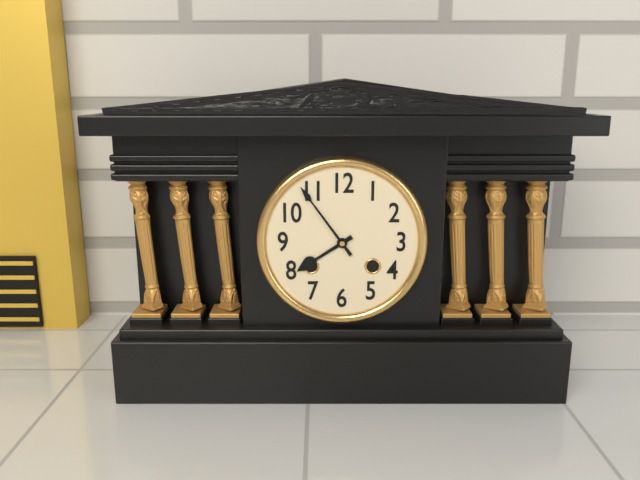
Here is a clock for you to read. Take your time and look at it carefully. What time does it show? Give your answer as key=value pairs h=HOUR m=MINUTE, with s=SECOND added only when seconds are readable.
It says h=7 m=54
